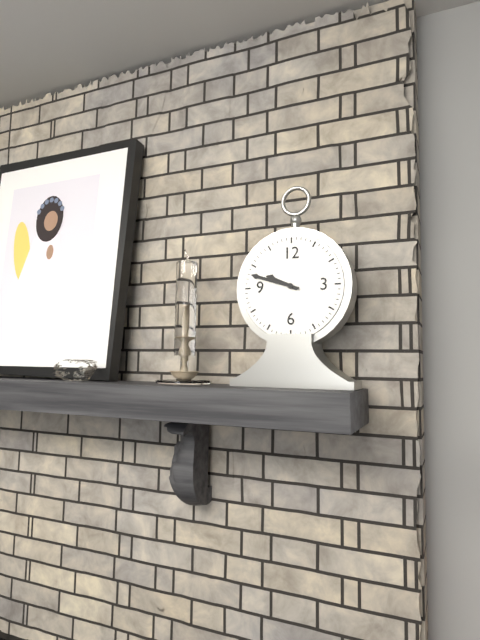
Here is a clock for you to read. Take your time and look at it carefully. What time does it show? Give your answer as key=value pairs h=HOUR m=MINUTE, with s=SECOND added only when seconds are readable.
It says h=9 m=48
